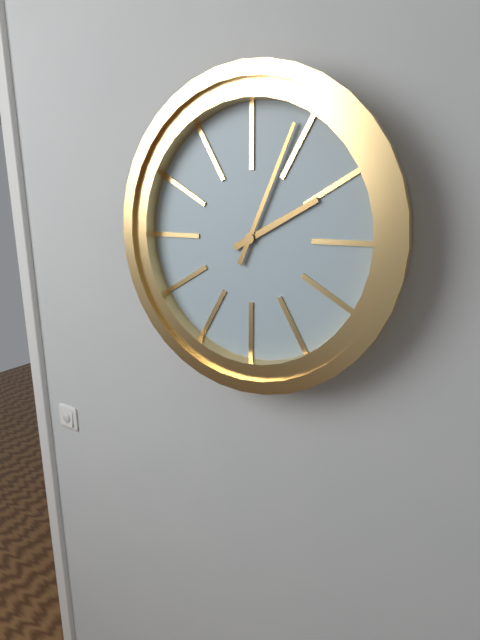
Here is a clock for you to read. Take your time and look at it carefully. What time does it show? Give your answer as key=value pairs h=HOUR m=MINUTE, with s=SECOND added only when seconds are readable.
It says h=2 m=4
